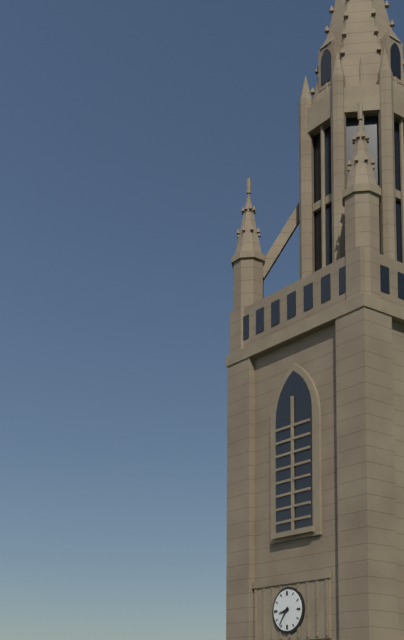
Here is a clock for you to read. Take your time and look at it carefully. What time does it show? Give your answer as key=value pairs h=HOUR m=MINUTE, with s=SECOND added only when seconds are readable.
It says h=8 m=36
